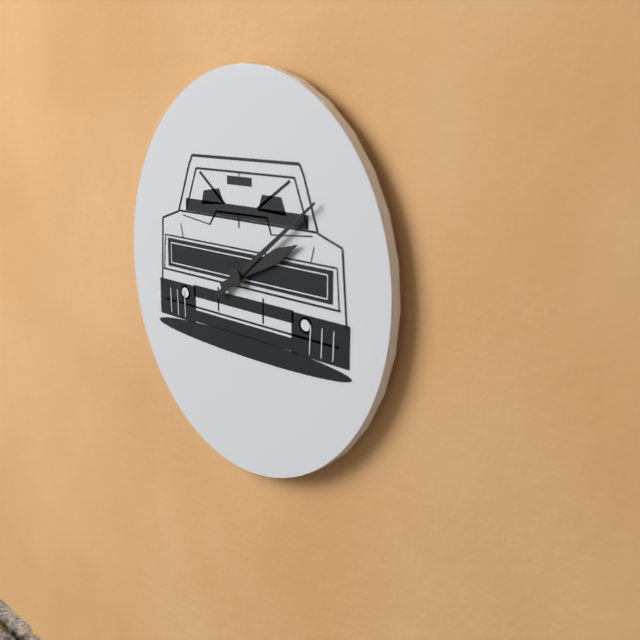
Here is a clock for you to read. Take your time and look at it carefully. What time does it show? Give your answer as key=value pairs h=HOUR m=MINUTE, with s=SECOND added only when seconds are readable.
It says h=2 m=9
